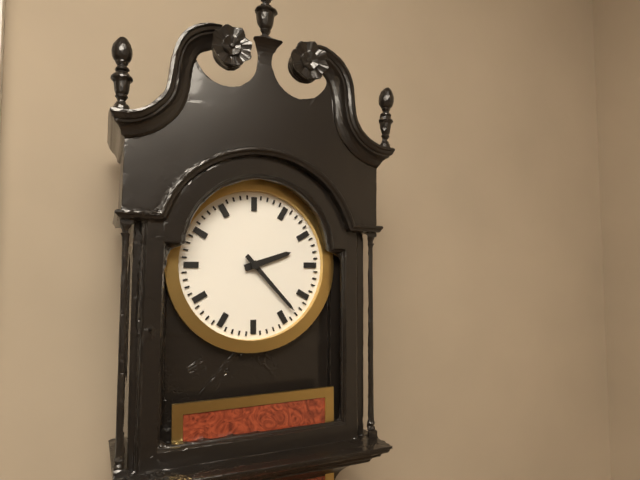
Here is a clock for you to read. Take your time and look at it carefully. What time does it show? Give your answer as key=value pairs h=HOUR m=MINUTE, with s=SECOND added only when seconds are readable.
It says h=2 m=23
